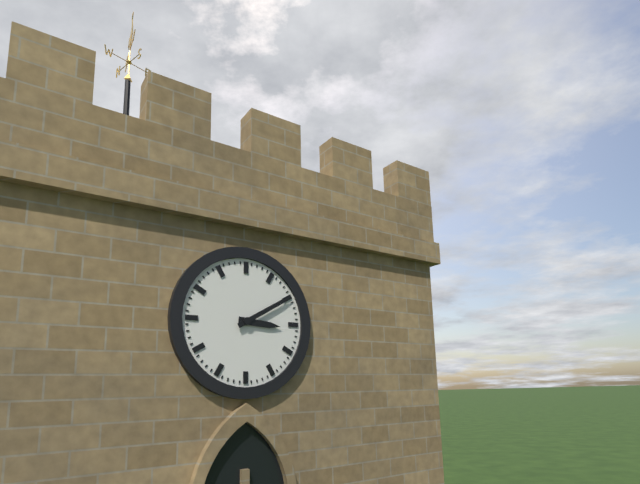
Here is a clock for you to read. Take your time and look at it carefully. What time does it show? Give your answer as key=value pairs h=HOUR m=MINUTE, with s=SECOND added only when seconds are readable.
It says h=3 m=10
